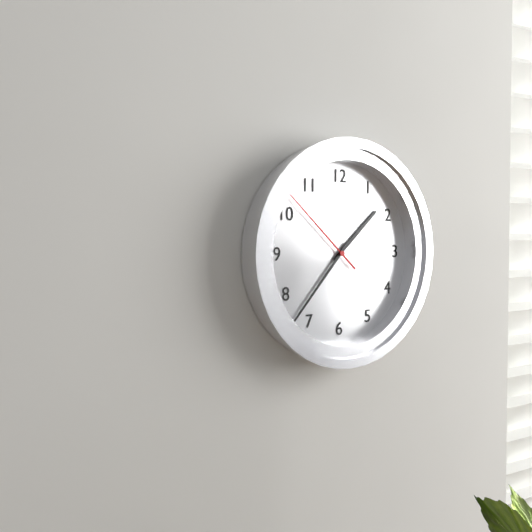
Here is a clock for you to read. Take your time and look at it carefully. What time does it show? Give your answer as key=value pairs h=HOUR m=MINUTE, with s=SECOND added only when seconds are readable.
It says h=1 m=37 s=52
